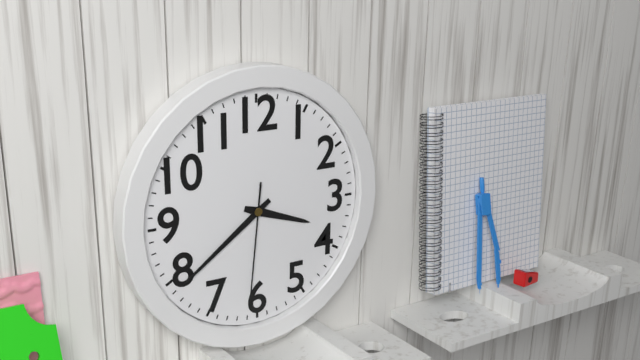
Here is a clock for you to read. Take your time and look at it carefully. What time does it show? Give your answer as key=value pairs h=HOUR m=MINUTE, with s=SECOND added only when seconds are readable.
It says h=3 m=39 s=31
